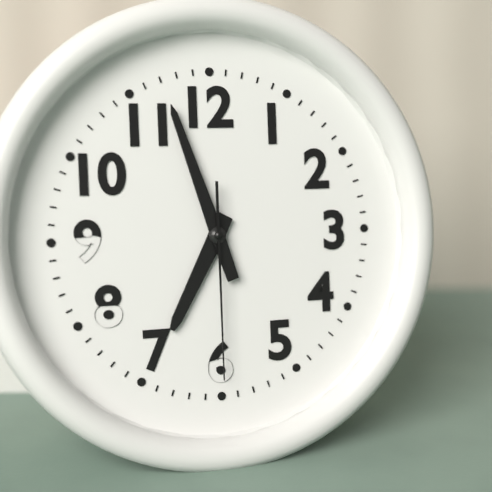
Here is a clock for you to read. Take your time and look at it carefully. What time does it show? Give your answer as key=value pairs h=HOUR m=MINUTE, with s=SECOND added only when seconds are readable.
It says h=6 m=57 s=30
